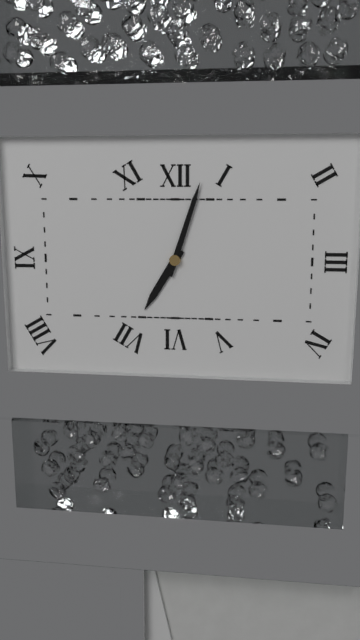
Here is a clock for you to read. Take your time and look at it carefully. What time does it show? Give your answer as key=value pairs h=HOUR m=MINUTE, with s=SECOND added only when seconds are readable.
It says h=7 m=3
